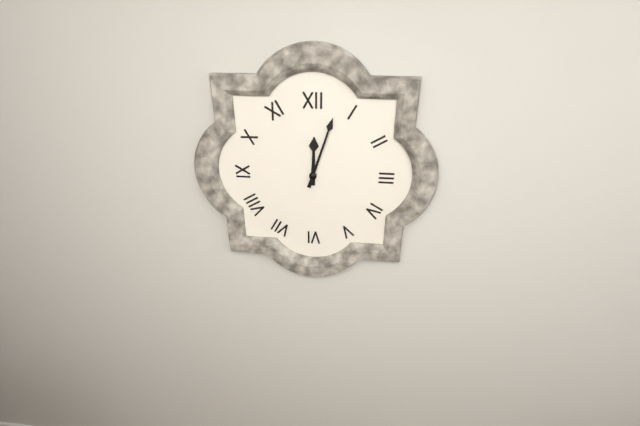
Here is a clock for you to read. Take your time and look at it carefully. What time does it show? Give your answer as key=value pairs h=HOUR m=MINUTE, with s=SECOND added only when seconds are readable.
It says h=12 m=3
